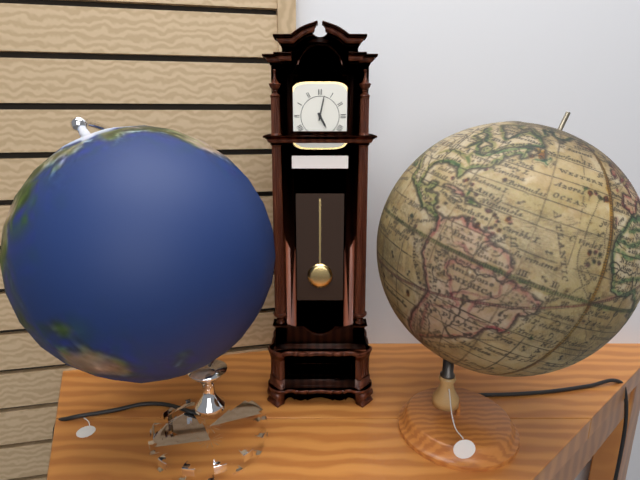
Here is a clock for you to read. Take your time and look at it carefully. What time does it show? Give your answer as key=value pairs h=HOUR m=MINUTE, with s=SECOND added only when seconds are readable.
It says h=5 m=2
